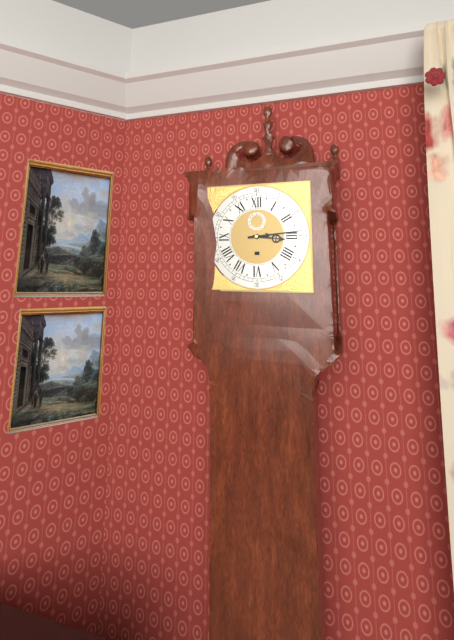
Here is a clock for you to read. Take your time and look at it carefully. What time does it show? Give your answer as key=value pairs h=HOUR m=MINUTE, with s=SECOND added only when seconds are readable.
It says h=3 m=14
